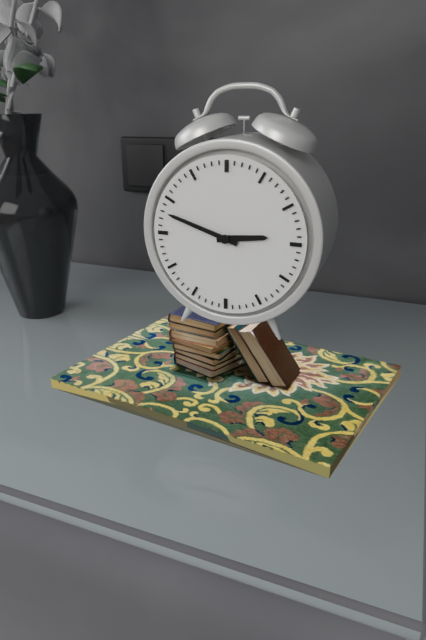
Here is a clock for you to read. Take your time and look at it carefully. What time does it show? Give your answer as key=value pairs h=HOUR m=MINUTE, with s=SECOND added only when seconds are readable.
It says h=2 m=48
